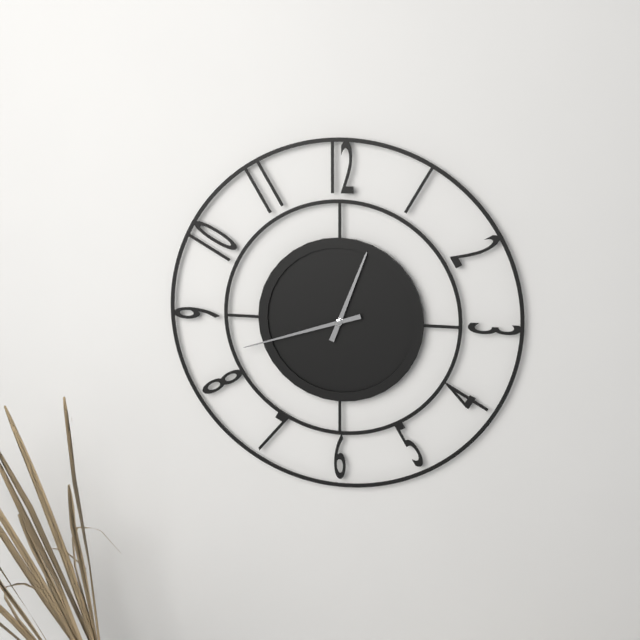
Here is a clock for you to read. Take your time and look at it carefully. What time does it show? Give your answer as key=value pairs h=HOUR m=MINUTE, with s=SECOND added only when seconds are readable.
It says h=12 m=42
